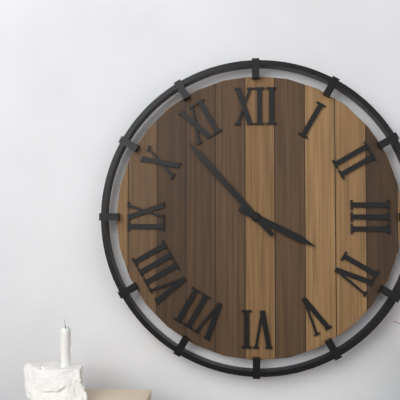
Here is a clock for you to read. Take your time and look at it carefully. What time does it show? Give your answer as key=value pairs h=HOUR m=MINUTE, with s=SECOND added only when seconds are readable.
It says h=3 m=53
